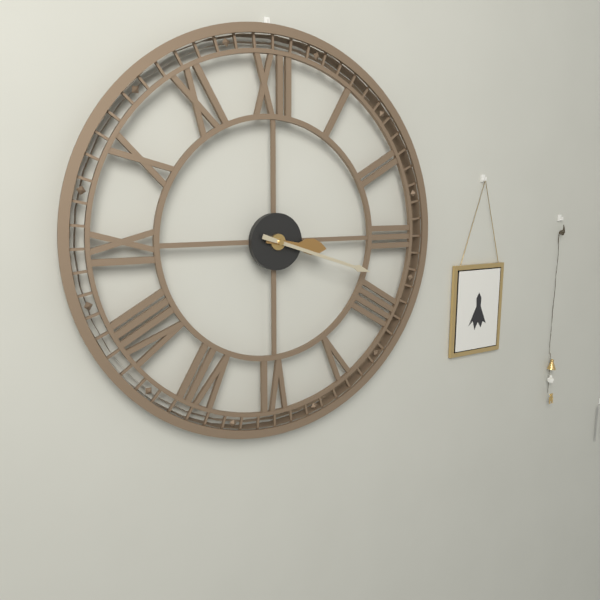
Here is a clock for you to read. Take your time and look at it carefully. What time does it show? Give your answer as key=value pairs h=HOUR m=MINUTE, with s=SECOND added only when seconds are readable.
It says h=3 m=18
